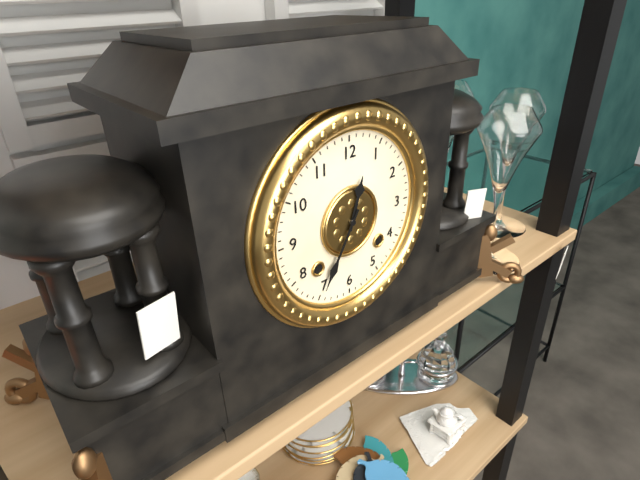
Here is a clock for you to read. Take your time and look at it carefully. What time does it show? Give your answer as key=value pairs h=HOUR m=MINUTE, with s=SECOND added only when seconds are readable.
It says h=12 m=35
